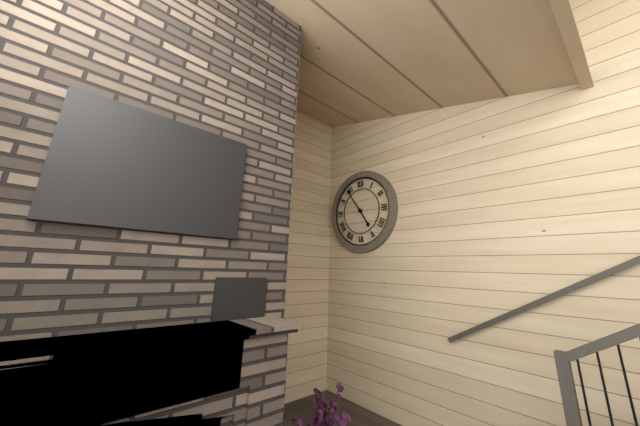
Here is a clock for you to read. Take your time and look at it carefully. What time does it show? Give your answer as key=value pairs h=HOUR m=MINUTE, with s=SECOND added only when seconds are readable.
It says h=4 m=54
